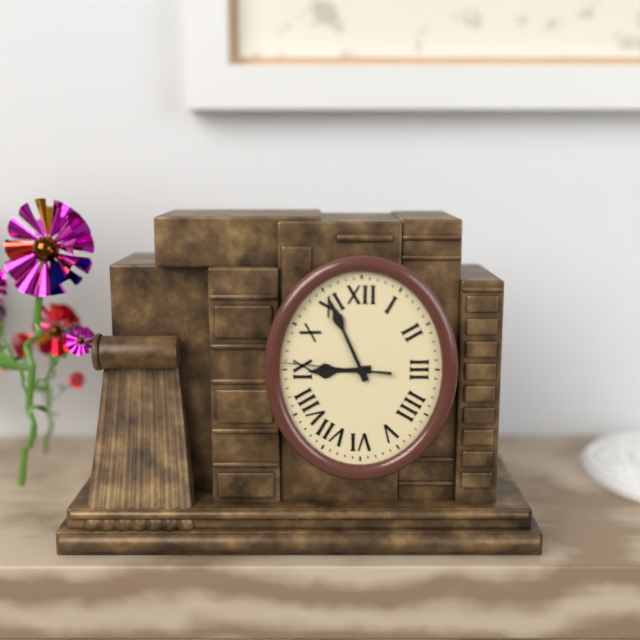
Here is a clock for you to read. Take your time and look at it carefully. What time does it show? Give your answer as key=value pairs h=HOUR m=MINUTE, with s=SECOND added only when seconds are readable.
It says h=8 m=56 s=46
